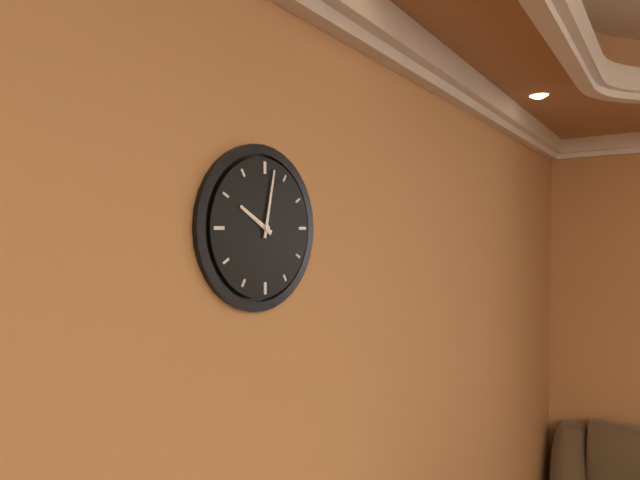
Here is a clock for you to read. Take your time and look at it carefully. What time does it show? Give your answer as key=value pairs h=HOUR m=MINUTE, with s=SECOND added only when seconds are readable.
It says h=10 m=2
